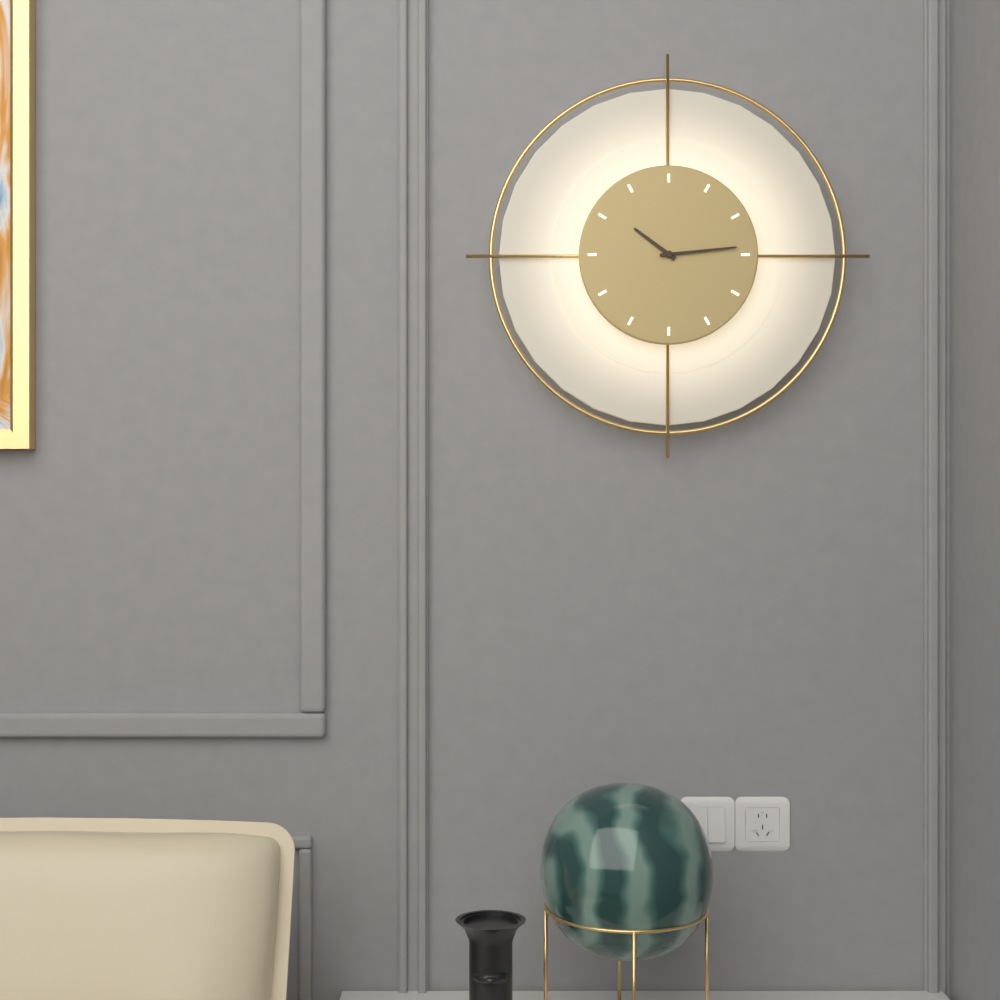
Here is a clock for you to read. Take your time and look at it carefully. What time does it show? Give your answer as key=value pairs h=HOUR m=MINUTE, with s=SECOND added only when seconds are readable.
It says h=10 m=14
